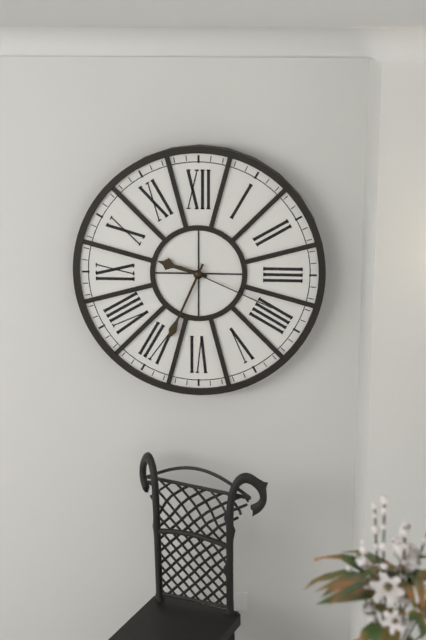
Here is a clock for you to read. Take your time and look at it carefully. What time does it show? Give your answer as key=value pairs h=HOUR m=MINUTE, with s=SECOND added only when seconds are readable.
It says h=9 m=34 s=19
